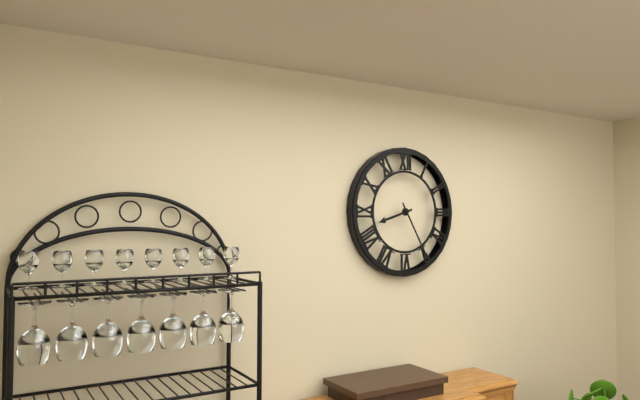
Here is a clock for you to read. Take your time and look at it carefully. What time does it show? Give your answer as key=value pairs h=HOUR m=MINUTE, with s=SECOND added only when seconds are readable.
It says h=8 m=25
